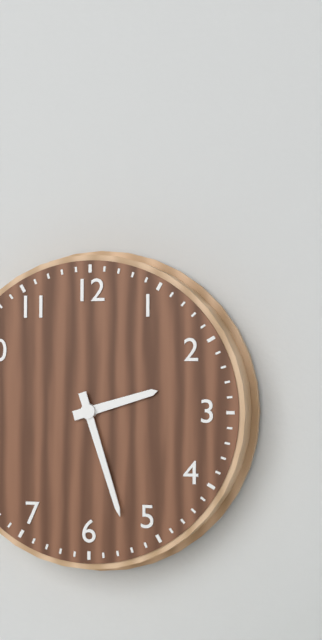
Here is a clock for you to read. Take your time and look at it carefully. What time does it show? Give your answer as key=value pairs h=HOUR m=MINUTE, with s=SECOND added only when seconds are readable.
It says h=2 m=27
